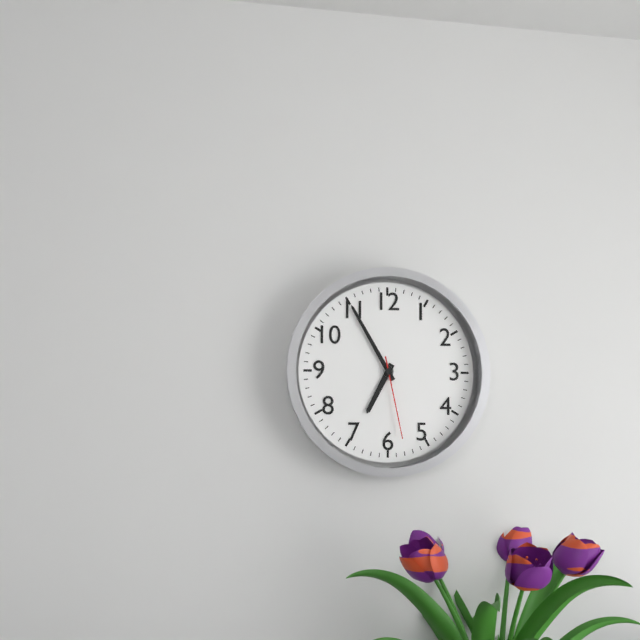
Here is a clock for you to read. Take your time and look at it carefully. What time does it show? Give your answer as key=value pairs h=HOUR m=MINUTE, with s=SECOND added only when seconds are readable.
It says h=6 m=55 s=28
